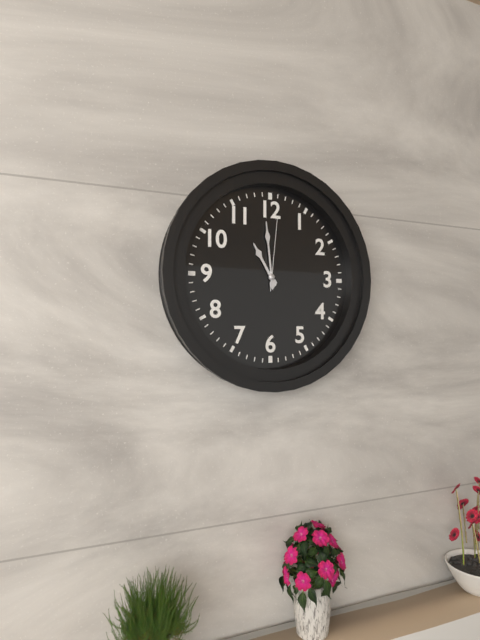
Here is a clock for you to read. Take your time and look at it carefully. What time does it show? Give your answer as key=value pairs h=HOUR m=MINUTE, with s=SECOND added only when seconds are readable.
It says h=10 m=59 s=1
